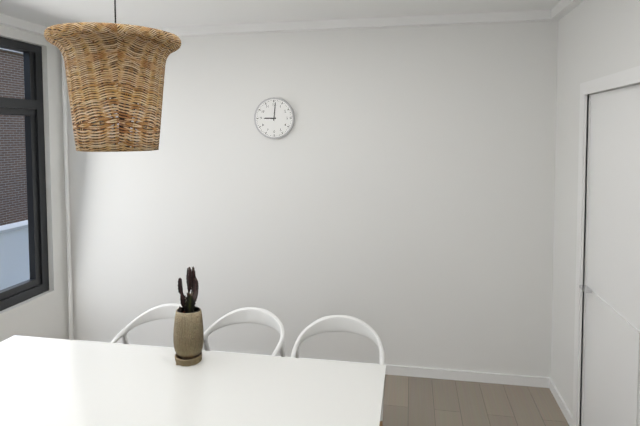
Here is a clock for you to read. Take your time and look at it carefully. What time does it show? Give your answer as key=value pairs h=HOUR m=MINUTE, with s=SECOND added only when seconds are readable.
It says h=9 m=1
